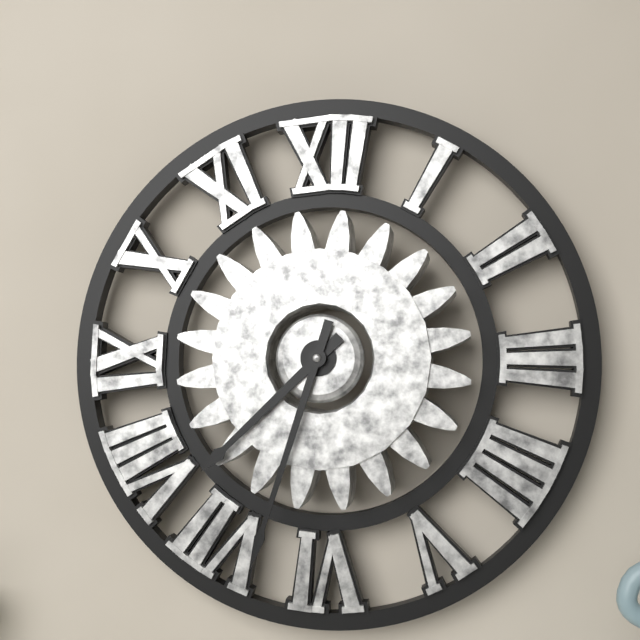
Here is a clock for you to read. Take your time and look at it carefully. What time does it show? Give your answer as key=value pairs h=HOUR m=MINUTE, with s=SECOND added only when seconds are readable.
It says h=7 m=33
